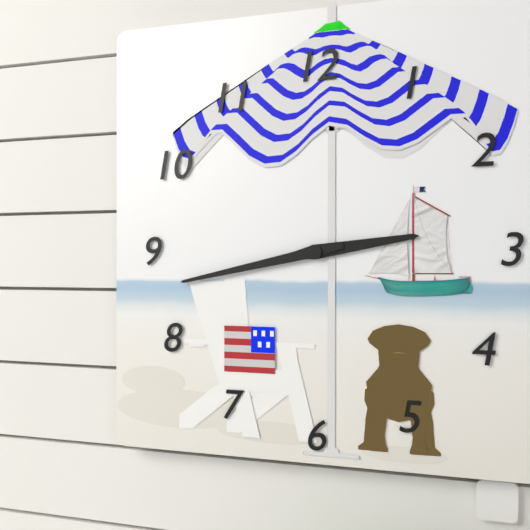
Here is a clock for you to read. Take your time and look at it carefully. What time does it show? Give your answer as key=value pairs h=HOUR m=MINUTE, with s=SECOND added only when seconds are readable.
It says h=2 m=43
